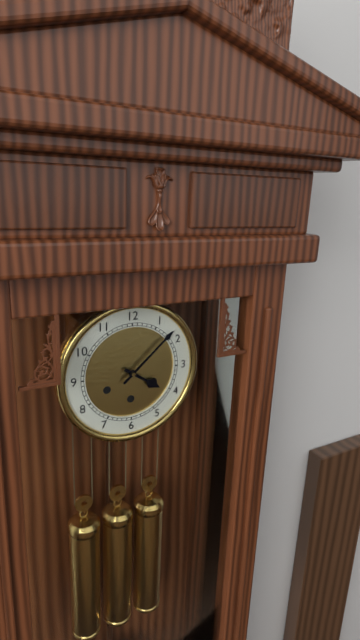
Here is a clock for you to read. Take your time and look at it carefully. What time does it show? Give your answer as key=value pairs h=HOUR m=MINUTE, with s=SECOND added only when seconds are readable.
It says h=4 m=8
